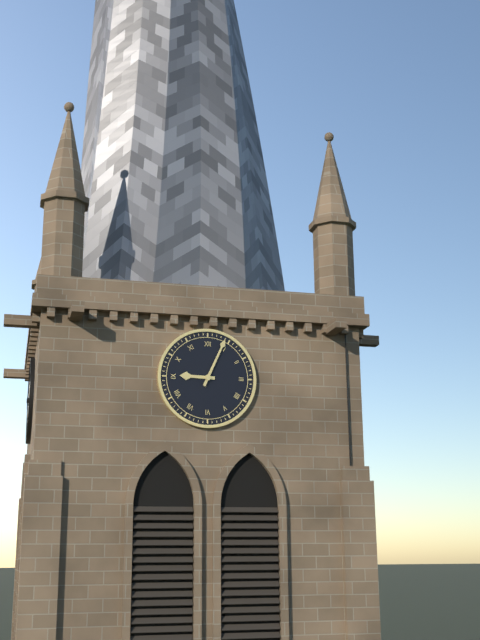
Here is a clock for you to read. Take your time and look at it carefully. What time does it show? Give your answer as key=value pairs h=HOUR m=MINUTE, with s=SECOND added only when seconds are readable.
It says h=9 m=4
